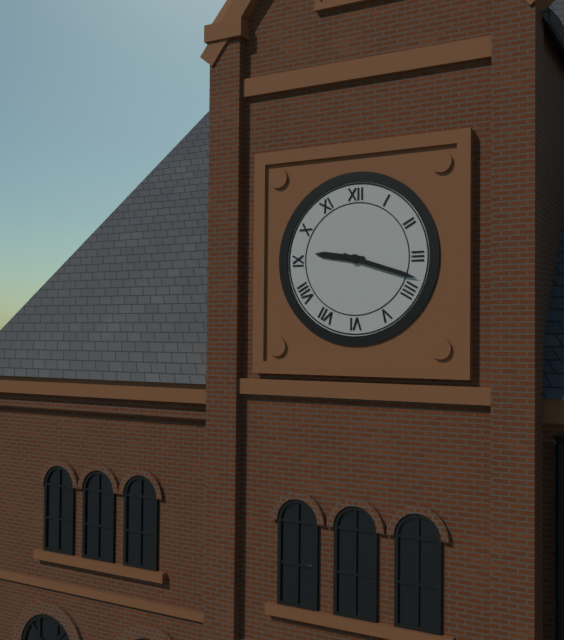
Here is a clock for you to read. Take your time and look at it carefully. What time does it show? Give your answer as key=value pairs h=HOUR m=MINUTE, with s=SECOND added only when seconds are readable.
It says h=9 m=18
